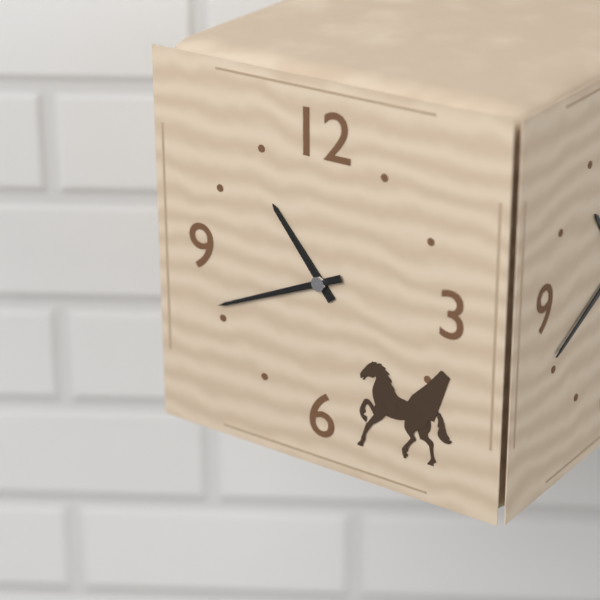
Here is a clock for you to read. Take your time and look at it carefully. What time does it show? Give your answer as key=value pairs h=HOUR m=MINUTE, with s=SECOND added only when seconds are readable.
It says h=10 m=41
